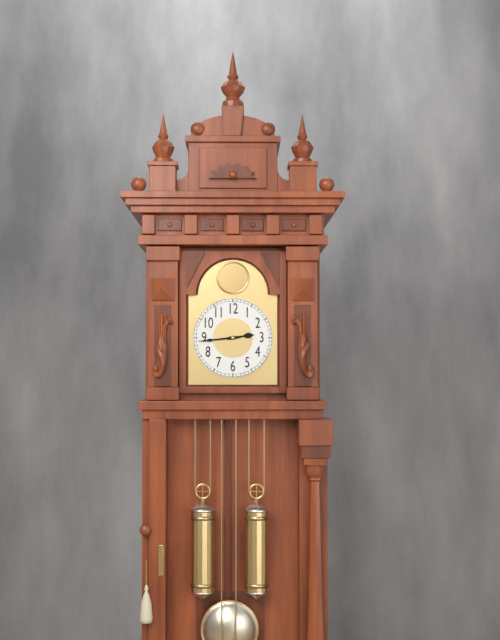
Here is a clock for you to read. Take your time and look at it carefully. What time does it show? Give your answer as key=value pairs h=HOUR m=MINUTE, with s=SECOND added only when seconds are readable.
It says h=2 m=44
